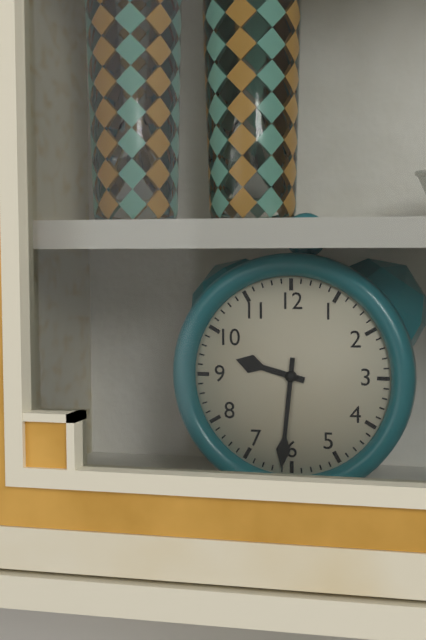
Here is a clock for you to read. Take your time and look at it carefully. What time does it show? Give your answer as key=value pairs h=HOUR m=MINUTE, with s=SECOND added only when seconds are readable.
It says h=9 m=31
